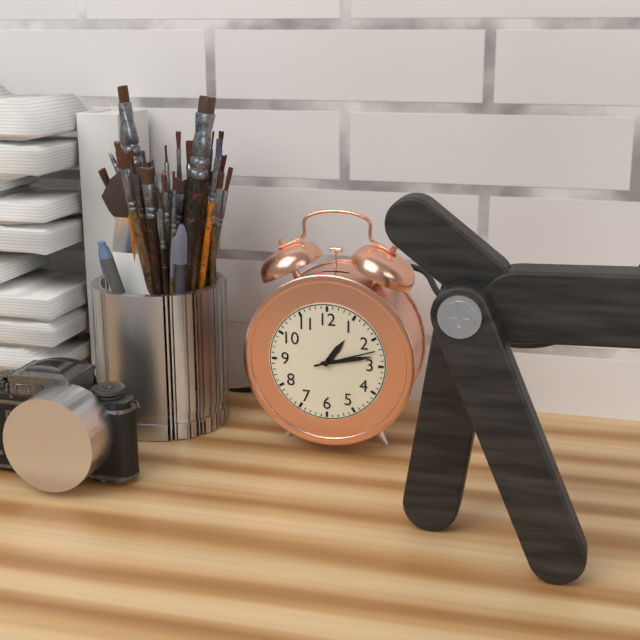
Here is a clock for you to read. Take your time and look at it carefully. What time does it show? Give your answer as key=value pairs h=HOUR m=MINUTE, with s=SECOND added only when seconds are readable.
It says h=1 m=13 s=12
